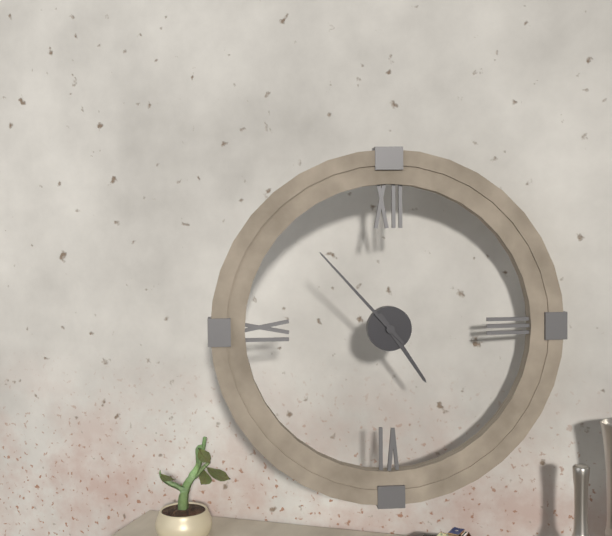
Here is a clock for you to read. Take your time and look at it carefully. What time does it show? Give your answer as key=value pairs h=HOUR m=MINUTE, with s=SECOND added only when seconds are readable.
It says h=4 m=53
